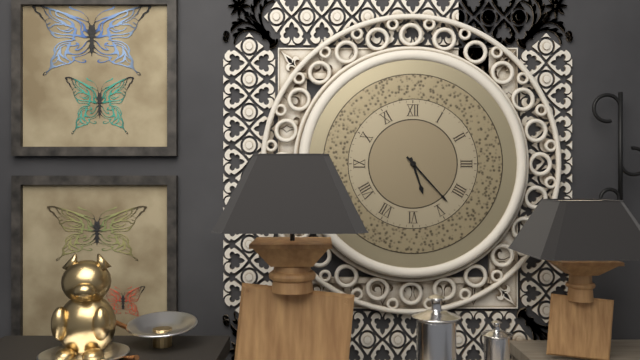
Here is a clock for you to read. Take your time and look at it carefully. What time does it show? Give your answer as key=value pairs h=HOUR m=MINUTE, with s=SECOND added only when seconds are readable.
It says h=5 m=23
